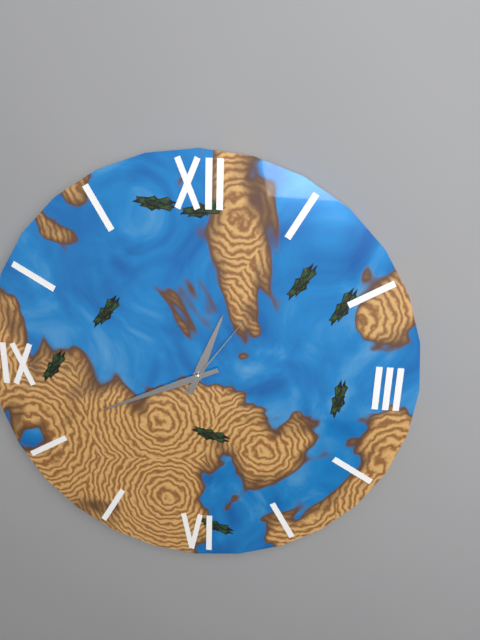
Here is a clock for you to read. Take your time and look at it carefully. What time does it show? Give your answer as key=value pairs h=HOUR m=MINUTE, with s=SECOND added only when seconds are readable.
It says h=12 m=41 s=6
